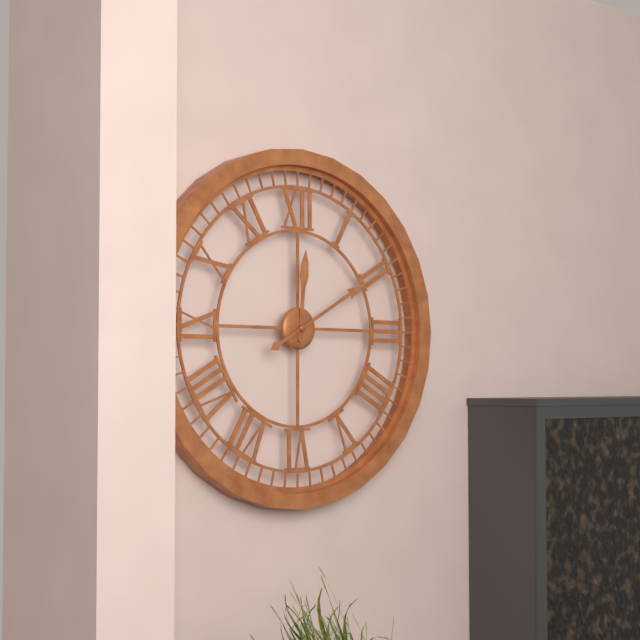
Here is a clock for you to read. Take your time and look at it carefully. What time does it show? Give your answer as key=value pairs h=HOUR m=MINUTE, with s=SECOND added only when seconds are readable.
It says h=12 m=10
